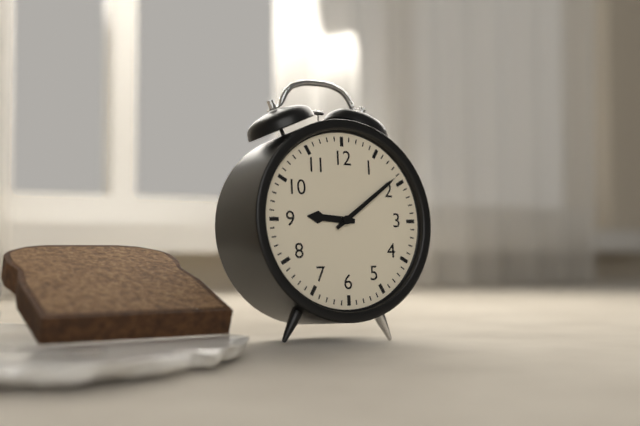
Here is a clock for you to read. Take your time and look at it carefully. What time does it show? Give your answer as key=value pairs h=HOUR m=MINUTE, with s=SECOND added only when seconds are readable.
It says h=9 m=9
